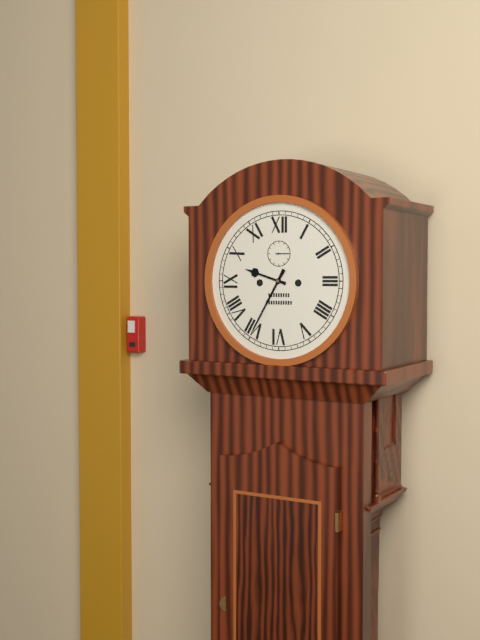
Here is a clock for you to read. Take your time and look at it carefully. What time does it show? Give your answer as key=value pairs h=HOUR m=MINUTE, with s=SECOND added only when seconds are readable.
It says h=9 m=35
